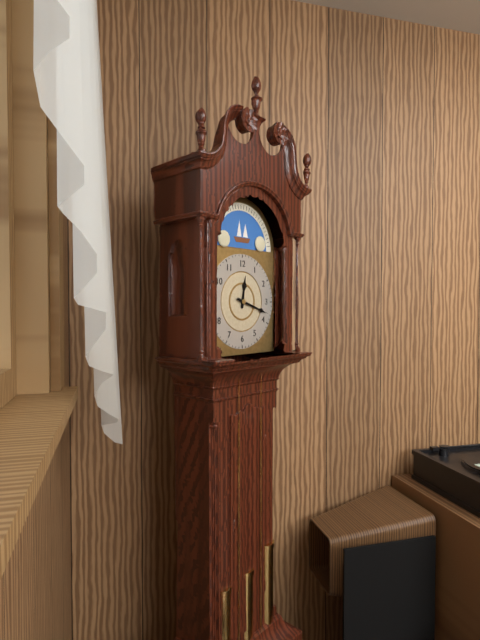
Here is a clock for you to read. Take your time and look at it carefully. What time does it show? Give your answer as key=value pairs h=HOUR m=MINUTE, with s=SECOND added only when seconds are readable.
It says h=12 m=18
